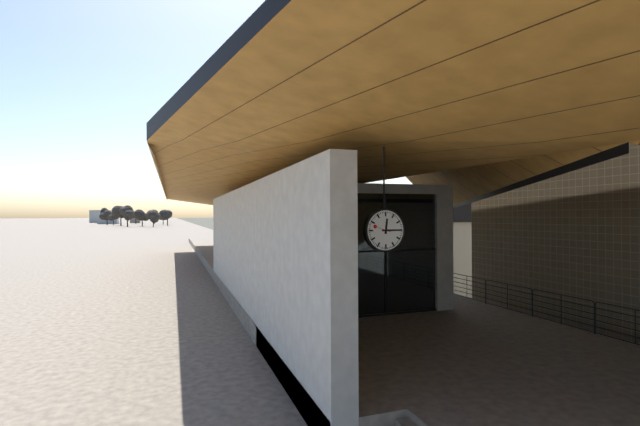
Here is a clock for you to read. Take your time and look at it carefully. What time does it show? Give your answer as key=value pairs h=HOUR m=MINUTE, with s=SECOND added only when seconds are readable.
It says h=12 m=15
